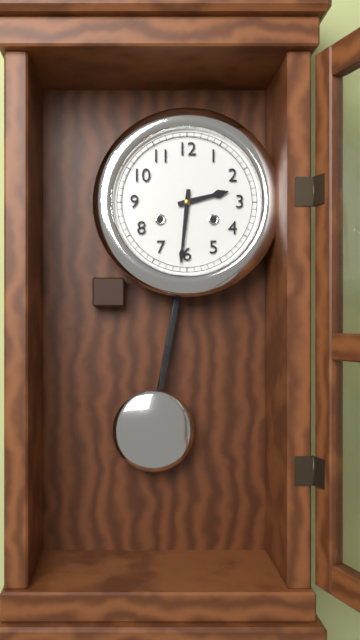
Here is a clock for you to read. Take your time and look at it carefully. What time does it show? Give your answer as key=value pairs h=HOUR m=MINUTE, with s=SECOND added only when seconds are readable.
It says h=2 m=31
